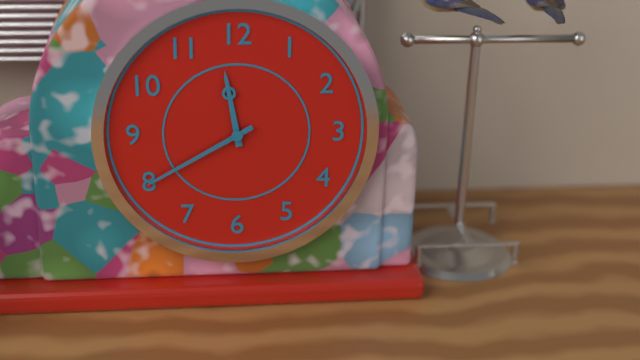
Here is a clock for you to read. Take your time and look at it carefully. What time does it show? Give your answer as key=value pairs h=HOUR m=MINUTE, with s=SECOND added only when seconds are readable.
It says h=11 m=40
